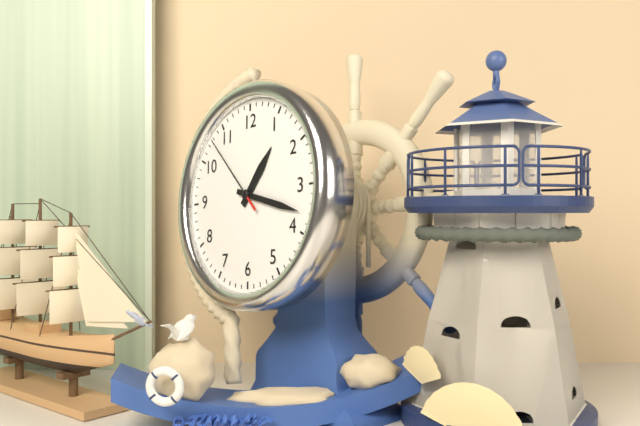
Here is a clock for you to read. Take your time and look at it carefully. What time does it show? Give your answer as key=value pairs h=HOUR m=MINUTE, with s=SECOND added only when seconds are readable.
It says h=1 m=18 s=53
